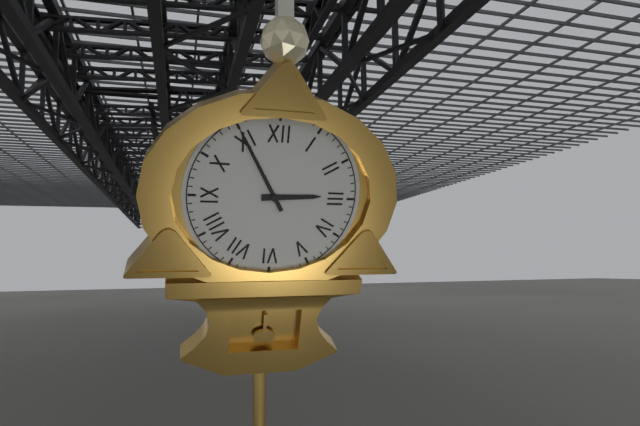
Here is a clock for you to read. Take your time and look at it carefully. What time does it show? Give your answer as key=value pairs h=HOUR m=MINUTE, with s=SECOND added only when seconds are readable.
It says h=2 m=55
